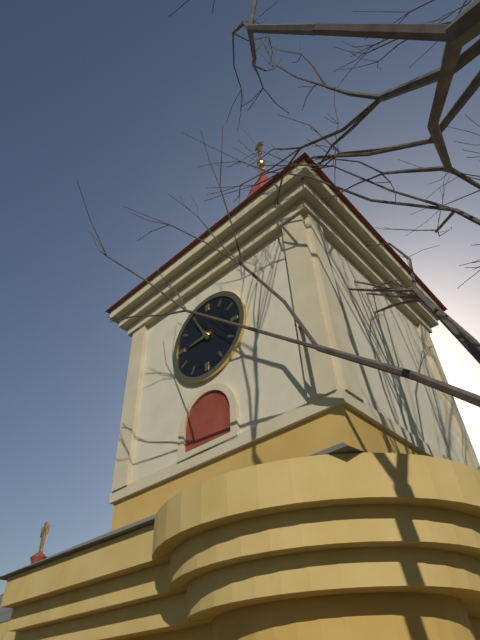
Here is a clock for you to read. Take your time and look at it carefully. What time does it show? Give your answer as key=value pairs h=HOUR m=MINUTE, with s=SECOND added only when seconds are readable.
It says h=8 m=55
